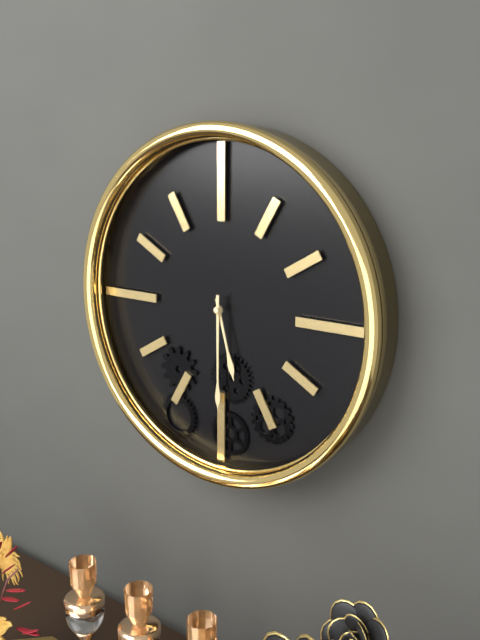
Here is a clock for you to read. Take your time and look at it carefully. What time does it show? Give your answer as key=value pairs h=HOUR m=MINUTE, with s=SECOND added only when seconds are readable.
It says h=5 m=30
